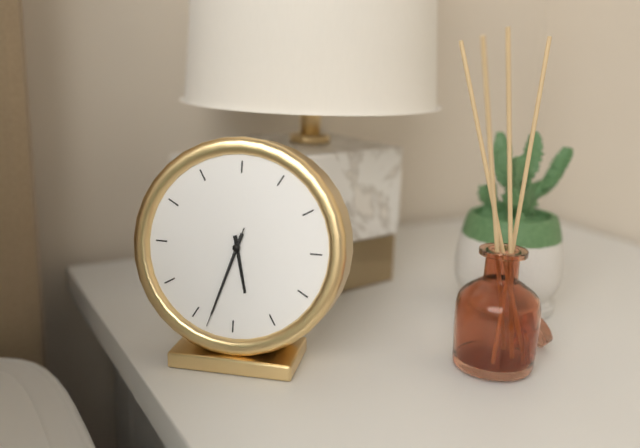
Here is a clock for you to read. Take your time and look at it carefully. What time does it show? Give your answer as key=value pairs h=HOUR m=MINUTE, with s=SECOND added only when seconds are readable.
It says h=5 m=33 s=33
